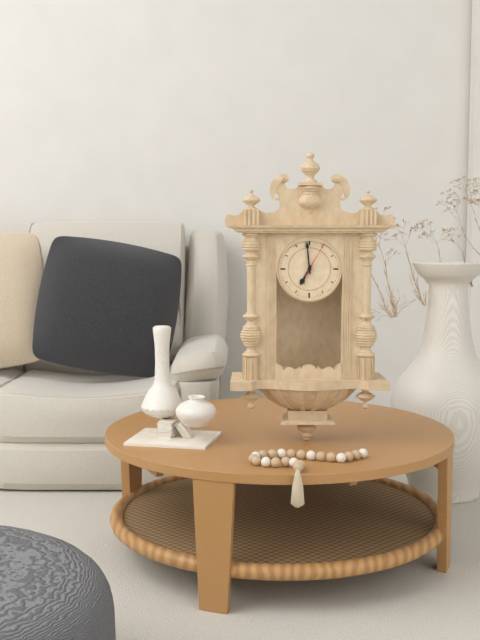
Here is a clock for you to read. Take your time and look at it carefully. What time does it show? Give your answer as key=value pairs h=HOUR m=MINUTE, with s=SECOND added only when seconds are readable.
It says h=6 m=59
